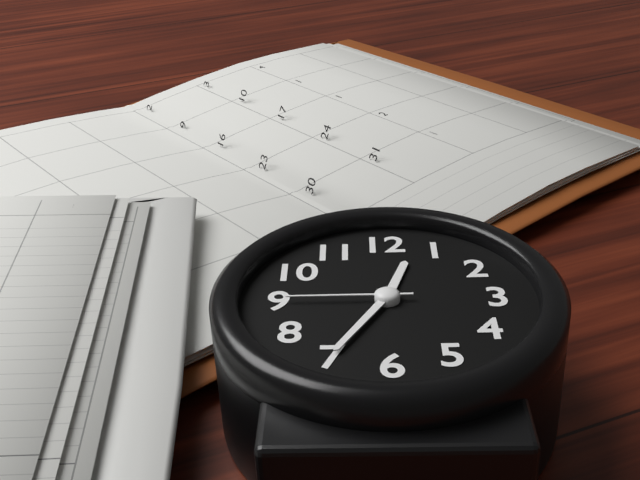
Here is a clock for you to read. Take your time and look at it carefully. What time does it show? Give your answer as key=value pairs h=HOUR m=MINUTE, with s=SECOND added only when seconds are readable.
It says h=12 m=35 s=45
